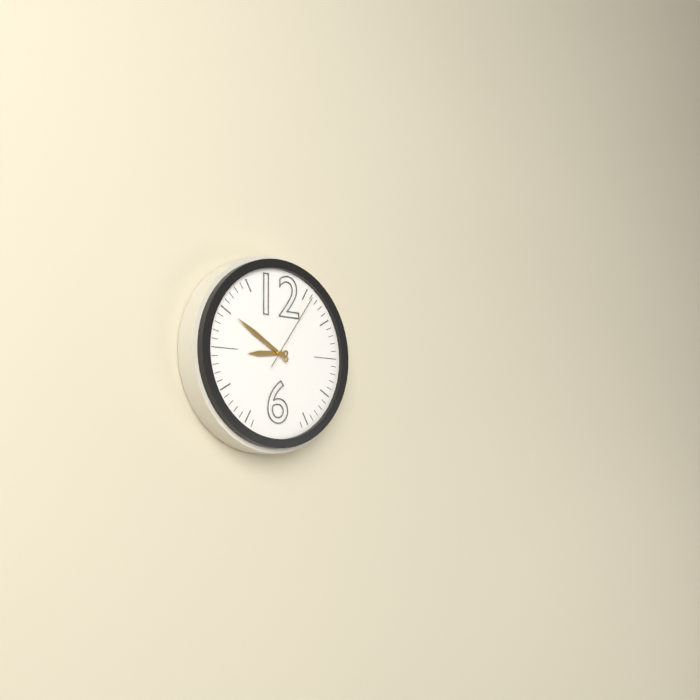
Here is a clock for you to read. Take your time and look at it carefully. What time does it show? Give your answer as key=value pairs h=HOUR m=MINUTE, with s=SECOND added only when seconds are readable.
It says h=8 m=50 s=6
